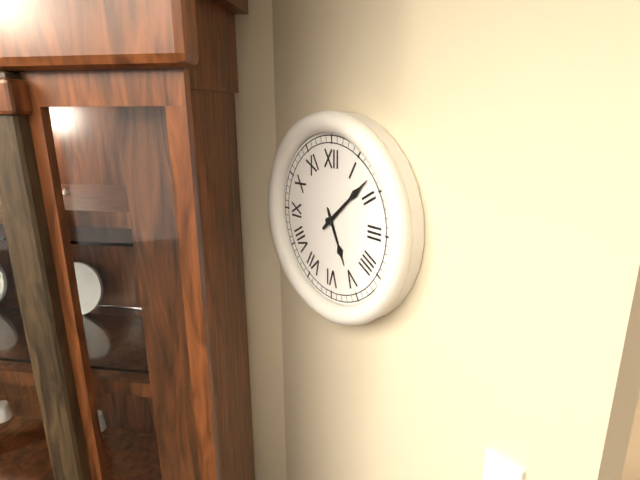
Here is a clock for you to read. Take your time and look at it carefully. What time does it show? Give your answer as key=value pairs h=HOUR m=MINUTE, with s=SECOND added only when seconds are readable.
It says h=5 m=8
